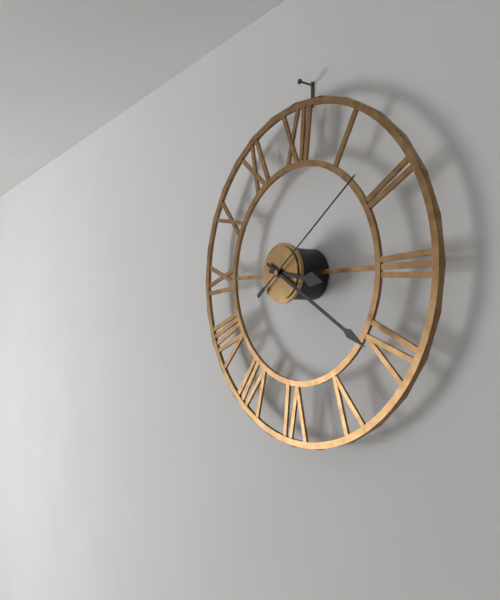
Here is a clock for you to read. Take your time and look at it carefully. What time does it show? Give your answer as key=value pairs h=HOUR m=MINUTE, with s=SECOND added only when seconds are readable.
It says h=3 m=20 s=9
